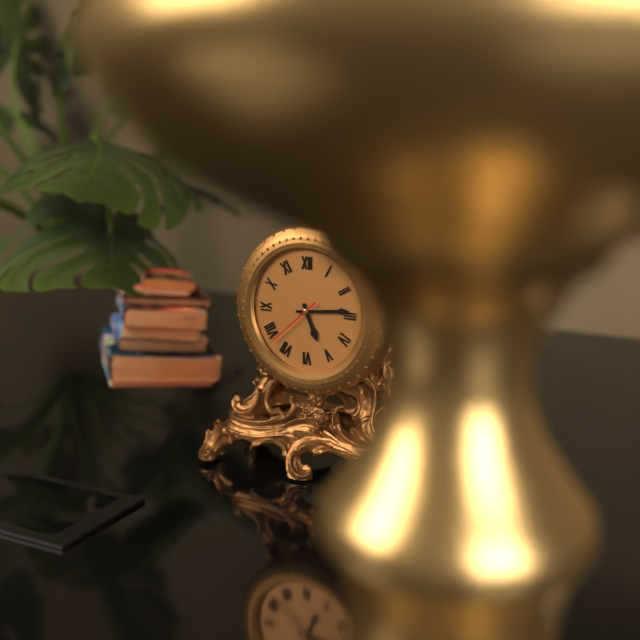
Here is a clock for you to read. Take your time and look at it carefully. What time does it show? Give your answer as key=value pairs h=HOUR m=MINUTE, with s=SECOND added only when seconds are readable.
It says h=5 m=14 s=38
